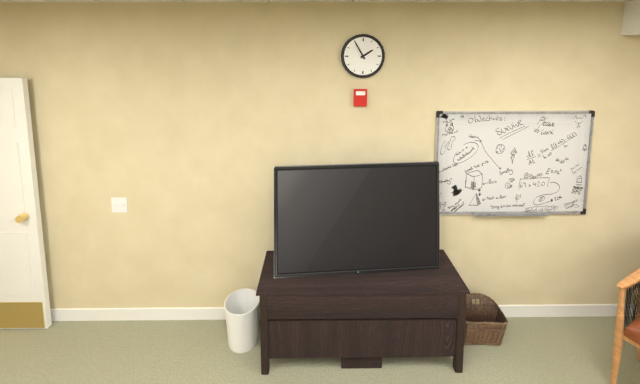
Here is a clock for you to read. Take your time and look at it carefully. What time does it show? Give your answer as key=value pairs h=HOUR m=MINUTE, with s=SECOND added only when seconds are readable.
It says h=1 m=55
